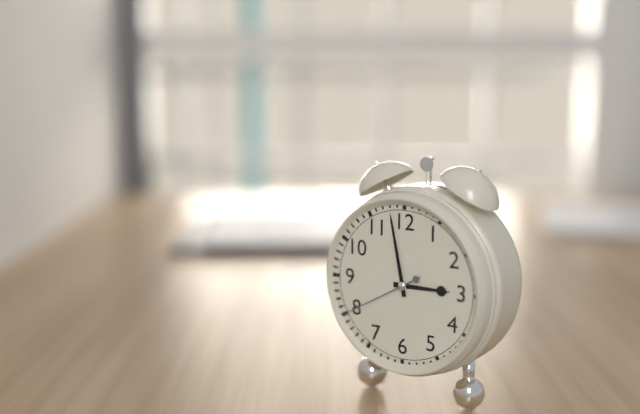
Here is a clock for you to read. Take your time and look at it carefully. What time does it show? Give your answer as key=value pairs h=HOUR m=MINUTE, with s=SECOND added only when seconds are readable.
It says h=2 m=58 s=40
